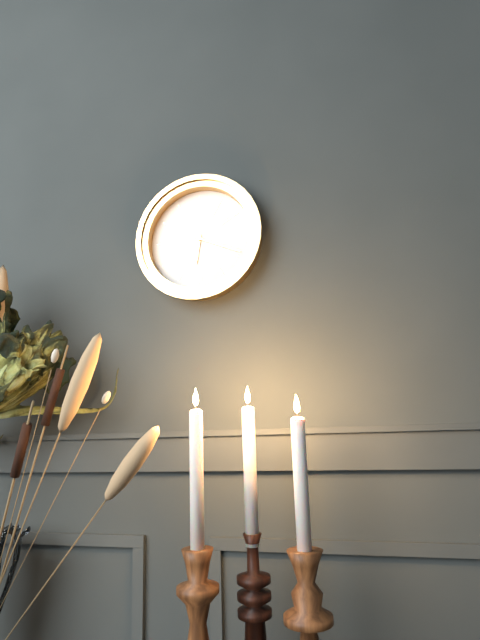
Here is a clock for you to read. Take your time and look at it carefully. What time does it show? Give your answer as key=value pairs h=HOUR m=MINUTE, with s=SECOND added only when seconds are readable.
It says h=6 m=19
